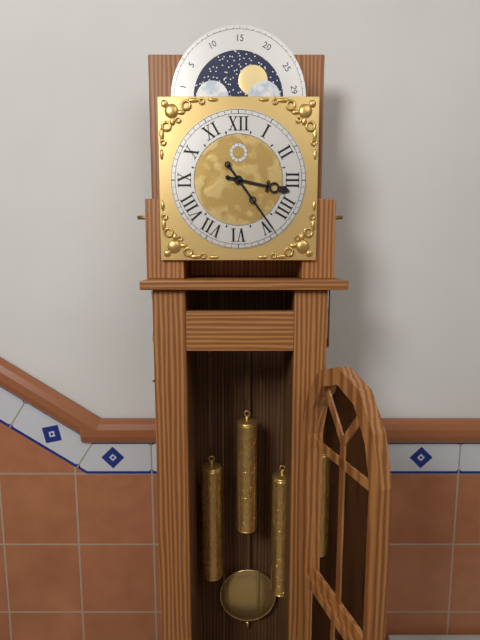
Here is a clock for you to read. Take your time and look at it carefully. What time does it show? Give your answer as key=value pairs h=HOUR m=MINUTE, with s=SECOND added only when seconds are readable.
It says h=3 m=24
